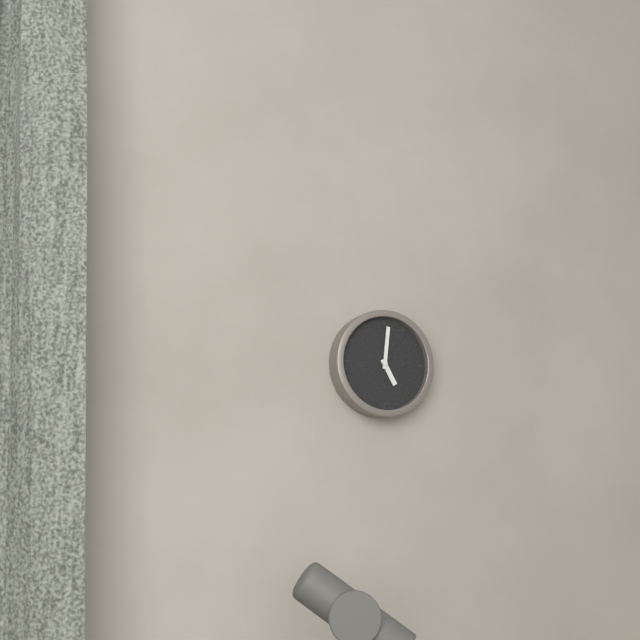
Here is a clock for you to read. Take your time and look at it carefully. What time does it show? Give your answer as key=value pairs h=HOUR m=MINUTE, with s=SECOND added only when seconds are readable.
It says h=5 m=1
